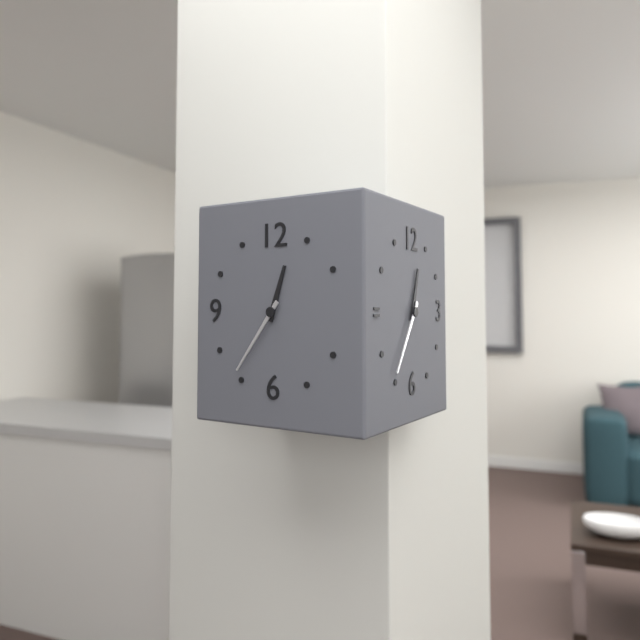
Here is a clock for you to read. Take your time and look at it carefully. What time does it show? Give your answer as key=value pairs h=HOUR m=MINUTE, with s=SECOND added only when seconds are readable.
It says h=12 m=36
